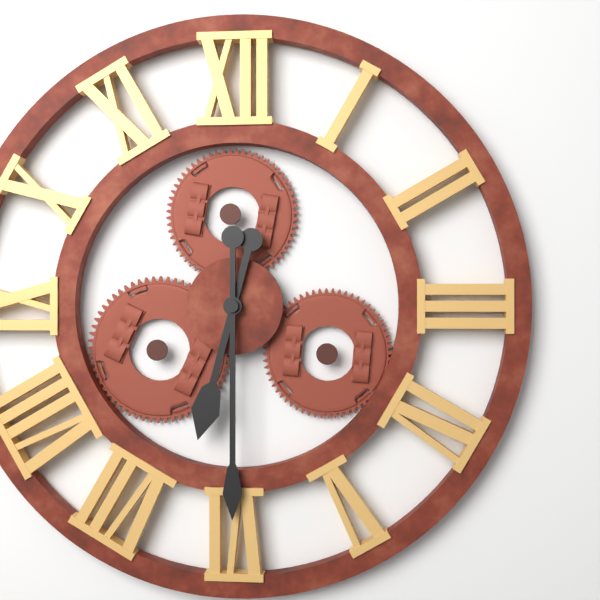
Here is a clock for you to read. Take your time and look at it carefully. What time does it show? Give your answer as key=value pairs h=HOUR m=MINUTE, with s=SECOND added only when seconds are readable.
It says h=6 m=30
